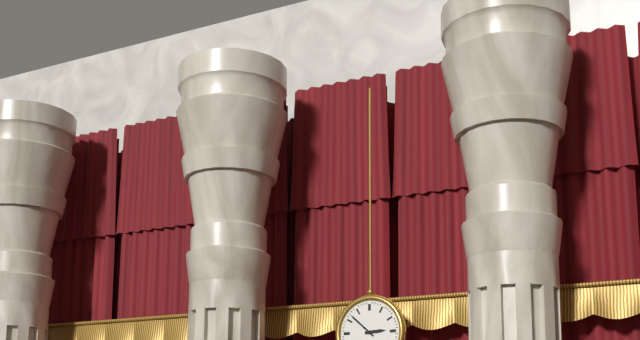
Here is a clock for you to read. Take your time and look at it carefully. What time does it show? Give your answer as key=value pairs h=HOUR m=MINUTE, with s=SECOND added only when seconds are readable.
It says h=2 m=52
